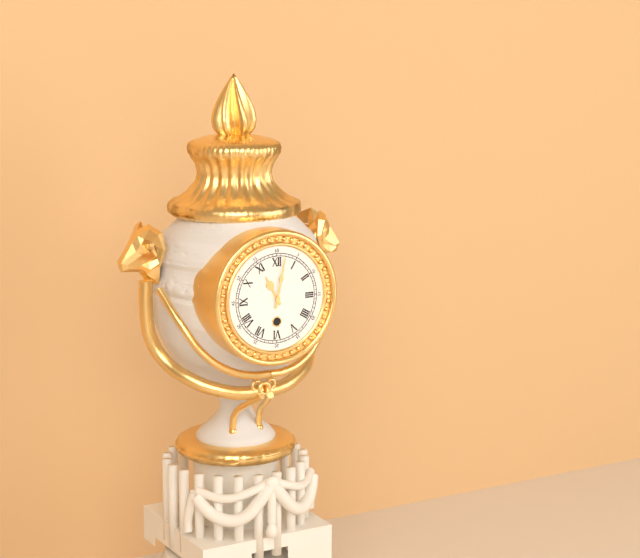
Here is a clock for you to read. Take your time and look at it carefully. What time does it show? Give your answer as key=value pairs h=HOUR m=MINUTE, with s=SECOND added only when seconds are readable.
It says h=11 m=2
